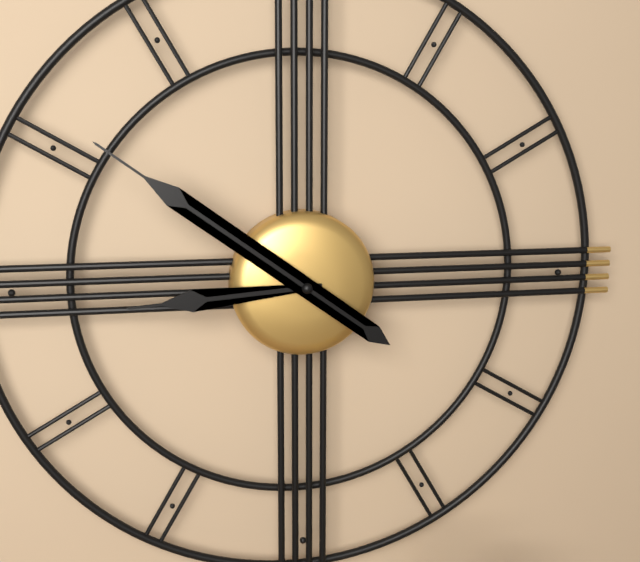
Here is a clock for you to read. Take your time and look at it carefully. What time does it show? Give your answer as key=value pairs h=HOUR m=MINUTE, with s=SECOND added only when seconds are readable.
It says h=8 m=51
